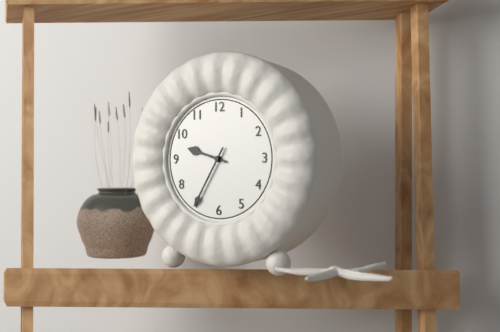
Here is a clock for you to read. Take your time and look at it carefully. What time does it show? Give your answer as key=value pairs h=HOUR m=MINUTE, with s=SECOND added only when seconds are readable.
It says h=9 m=35
